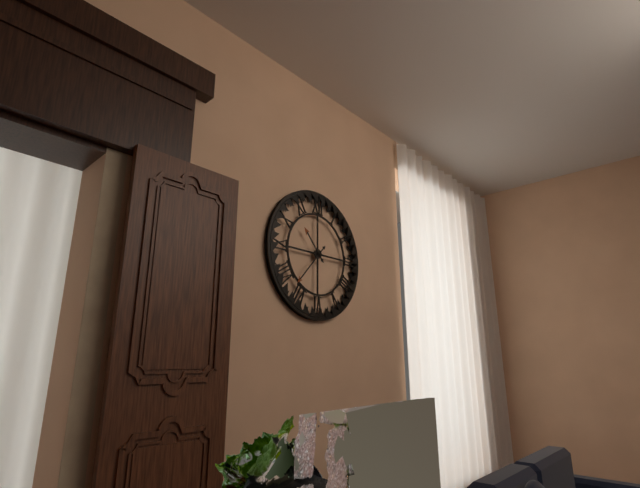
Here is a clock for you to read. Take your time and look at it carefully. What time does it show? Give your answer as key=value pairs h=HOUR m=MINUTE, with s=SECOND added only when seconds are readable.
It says h=10 m=37
